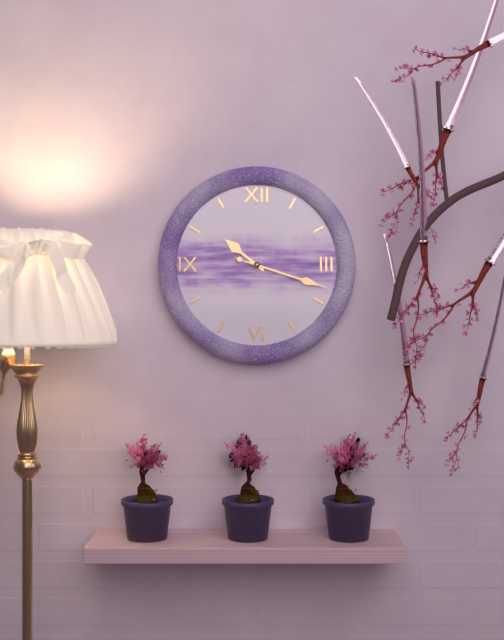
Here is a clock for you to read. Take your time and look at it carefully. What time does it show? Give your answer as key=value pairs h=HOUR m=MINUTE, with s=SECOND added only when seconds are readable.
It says h=10 m=18 s=18
